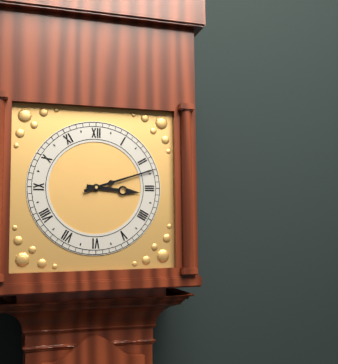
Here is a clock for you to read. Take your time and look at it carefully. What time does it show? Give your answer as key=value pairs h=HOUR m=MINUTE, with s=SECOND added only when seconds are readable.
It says h=3 m=12
